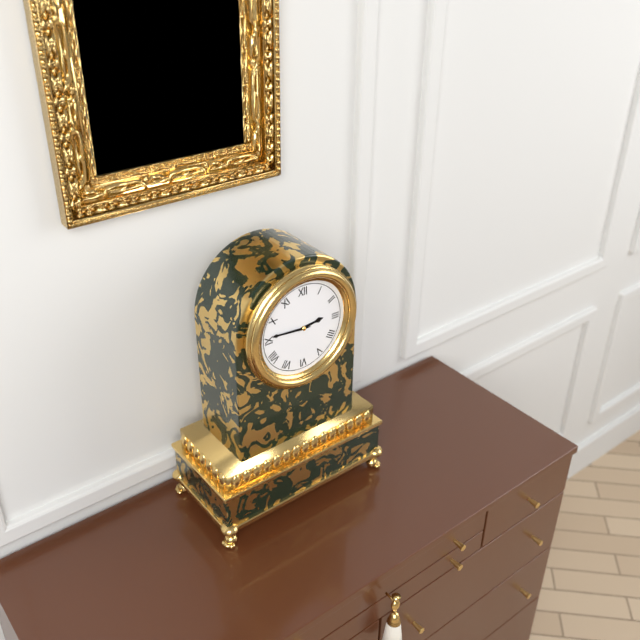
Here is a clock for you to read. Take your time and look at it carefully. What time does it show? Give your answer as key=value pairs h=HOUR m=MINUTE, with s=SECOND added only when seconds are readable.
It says h=2 m=46
